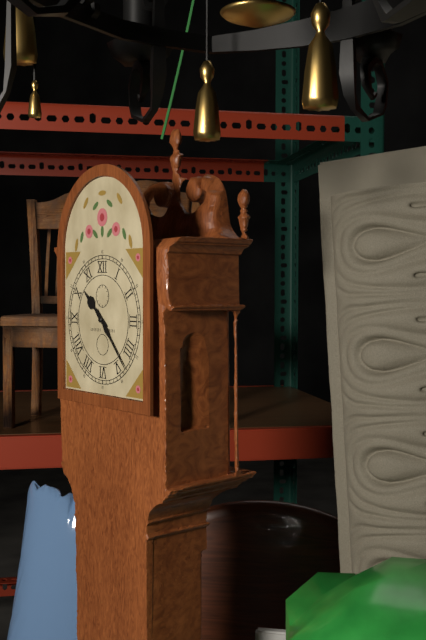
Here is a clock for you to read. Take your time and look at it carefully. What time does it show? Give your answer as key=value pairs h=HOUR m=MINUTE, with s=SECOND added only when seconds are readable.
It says h=10 m=23
